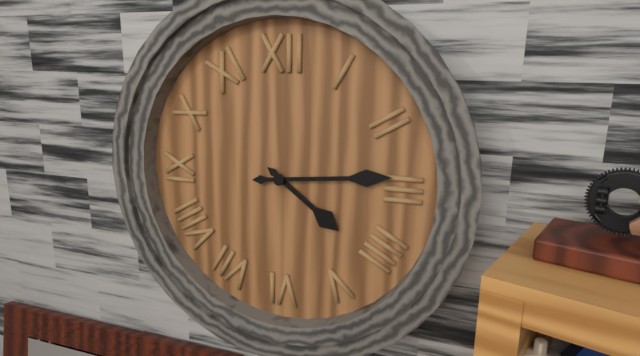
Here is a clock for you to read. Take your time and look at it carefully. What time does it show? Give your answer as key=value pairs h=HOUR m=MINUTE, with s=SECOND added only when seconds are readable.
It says h=4 m=14
